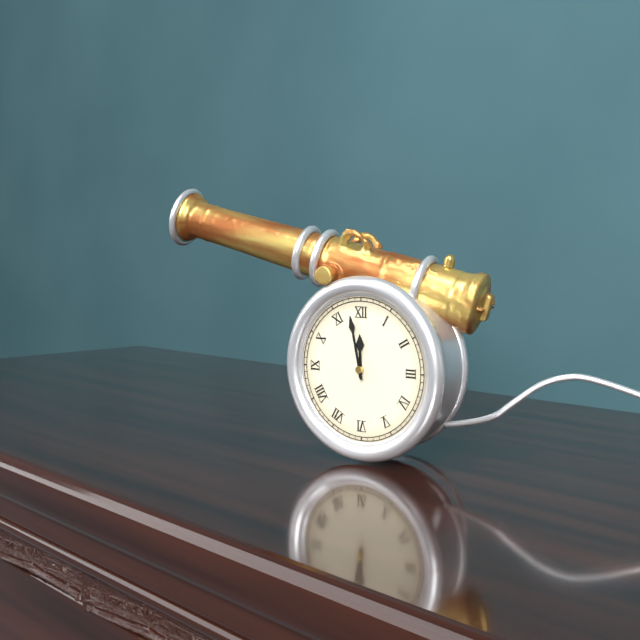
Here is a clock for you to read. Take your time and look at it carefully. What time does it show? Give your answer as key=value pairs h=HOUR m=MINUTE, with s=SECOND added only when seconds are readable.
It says h=11 m=58
